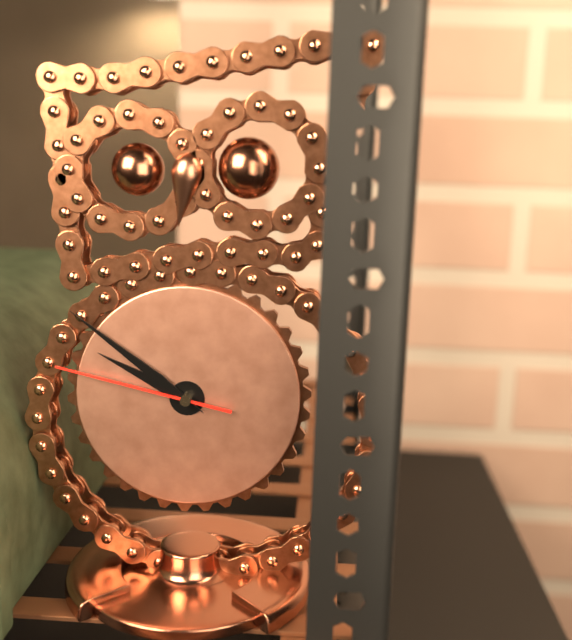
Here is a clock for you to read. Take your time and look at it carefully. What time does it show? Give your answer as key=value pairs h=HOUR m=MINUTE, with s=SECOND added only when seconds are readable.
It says h=9 m=51 s=47
